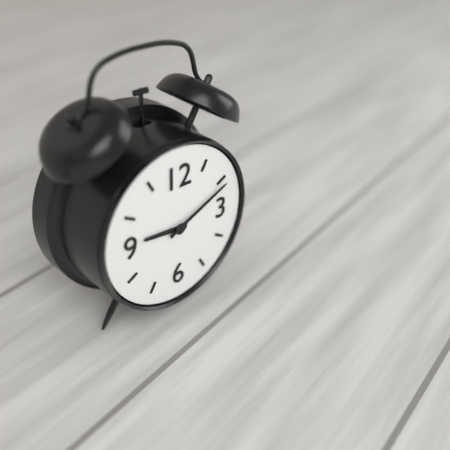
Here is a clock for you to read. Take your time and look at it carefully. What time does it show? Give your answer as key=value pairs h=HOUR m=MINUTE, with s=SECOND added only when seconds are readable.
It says h=9 m=11
